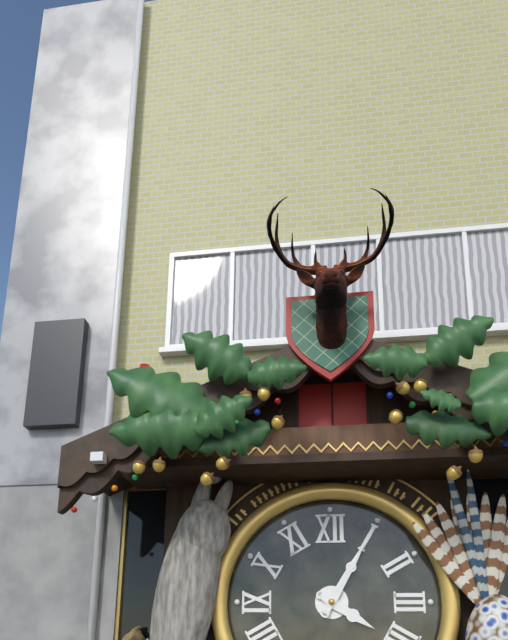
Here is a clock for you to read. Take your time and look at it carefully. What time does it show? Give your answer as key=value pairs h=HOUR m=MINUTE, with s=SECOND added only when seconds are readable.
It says h=4 m=5
